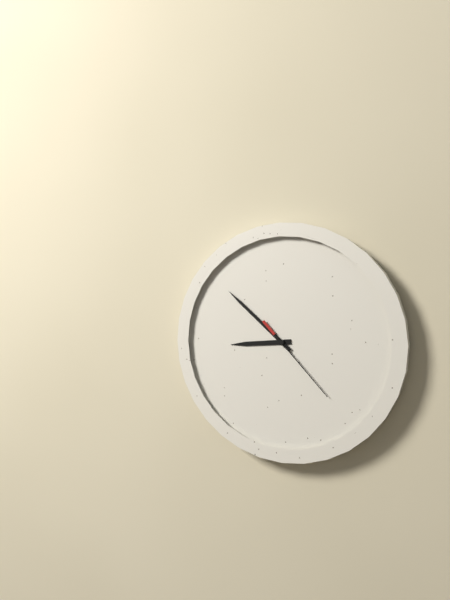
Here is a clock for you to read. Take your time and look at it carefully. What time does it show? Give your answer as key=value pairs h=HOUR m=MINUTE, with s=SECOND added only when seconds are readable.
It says h=8 m=52 s=23
